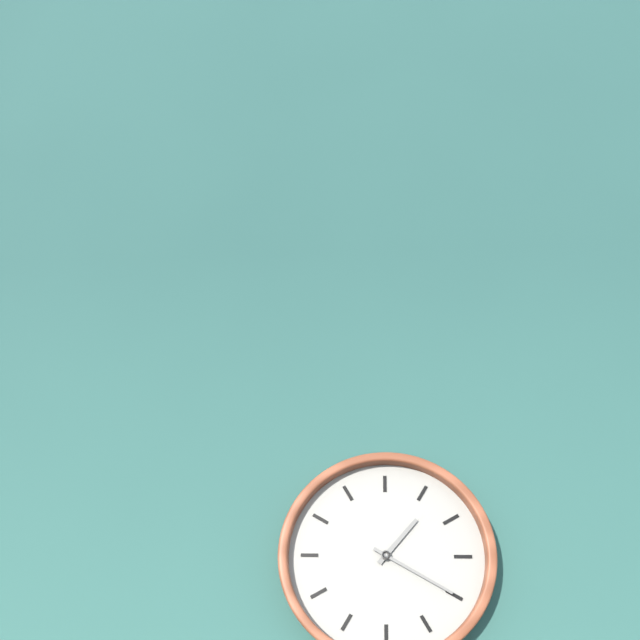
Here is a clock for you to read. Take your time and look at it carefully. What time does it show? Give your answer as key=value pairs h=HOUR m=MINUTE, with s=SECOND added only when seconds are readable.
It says h=1 m=20
